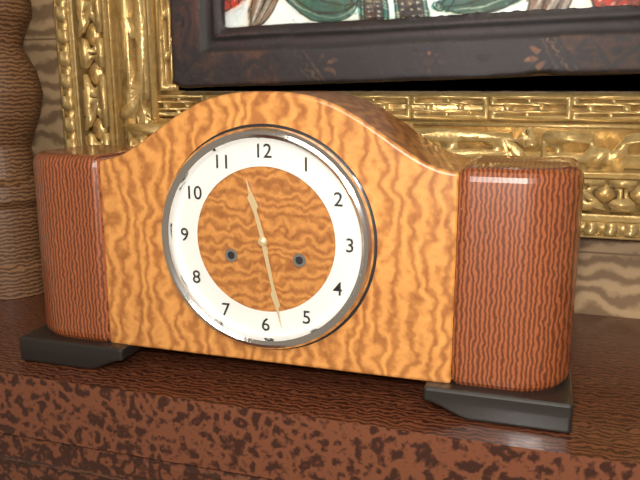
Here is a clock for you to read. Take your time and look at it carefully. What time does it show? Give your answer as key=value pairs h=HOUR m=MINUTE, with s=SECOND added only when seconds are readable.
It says h=11 m=28
